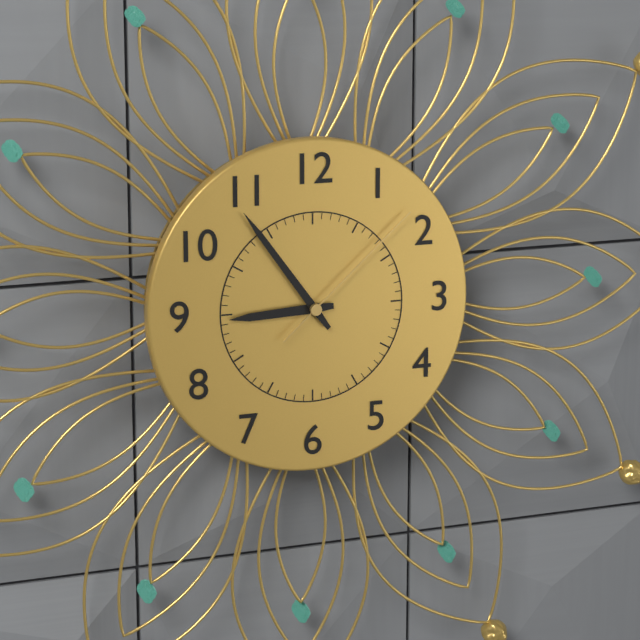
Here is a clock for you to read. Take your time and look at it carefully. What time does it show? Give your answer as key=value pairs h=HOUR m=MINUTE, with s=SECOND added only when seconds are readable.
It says h=8 m=54 s=8
